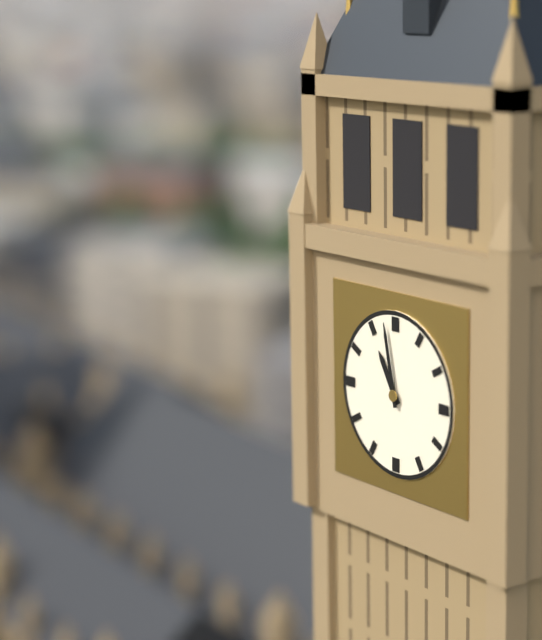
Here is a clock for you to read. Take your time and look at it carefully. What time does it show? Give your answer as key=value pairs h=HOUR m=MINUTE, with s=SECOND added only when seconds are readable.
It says h=10 m=58
